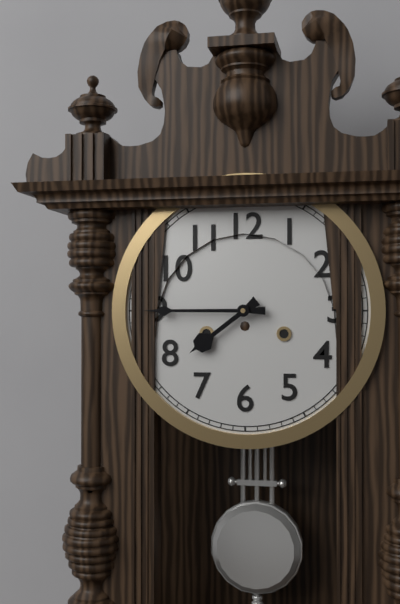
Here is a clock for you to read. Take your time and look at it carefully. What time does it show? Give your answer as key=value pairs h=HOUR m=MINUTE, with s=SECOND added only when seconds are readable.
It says h=7 m=45
